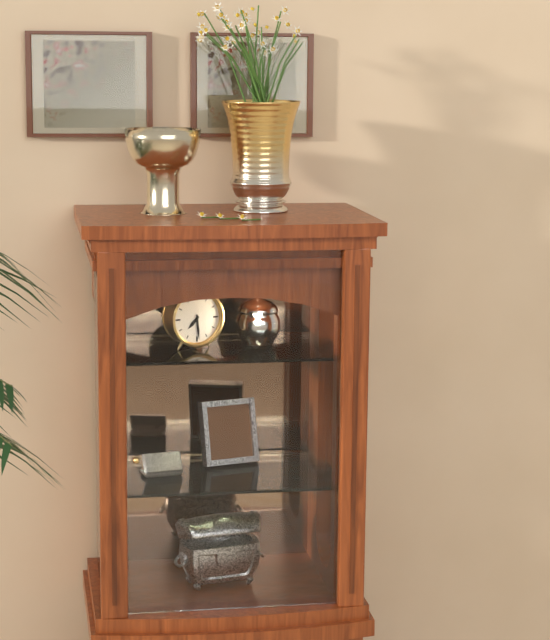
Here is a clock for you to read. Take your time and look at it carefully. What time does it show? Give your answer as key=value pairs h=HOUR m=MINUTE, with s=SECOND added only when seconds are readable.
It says h=7 m=29
